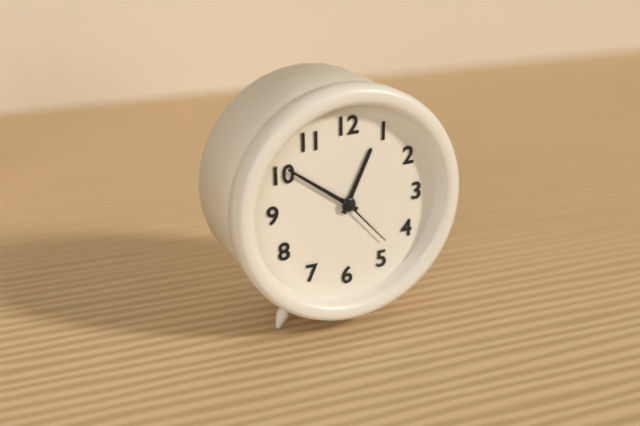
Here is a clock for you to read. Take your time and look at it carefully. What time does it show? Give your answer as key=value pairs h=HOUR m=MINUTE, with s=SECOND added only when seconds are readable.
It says h=12 m=51 s=23
